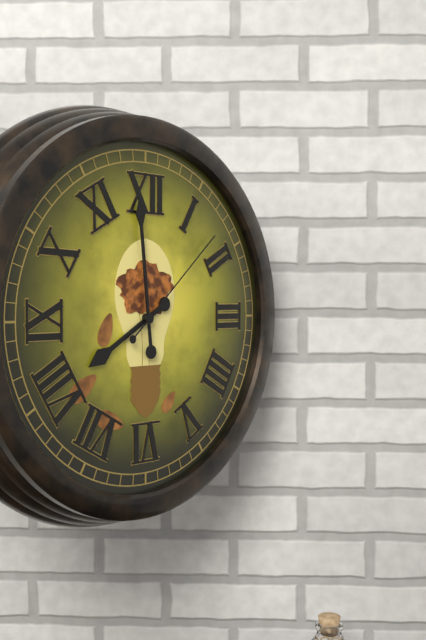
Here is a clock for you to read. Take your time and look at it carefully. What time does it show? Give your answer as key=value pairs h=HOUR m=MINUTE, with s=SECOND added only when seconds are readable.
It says h=7 m=59 s=8
